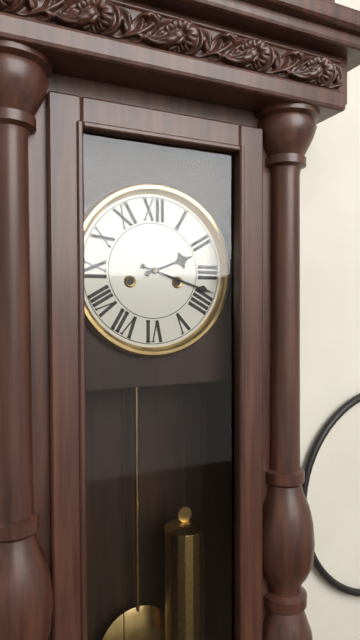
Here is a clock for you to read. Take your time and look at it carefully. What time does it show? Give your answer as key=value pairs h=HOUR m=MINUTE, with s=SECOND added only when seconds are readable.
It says h=2 m=18
